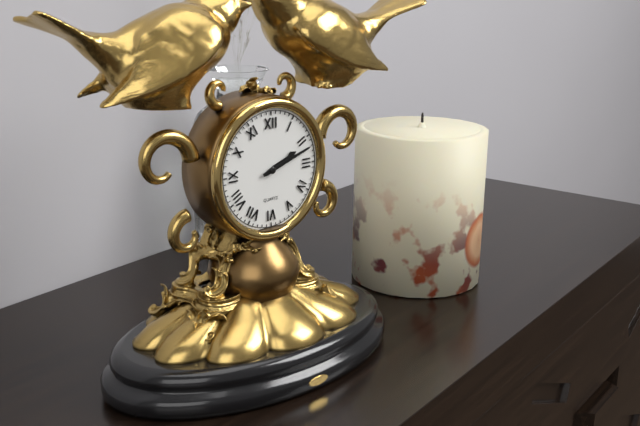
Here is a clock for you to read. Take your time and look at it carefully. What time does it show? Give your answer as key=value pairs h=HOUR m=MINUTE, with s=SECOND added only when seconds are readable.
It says h=2 m=12
